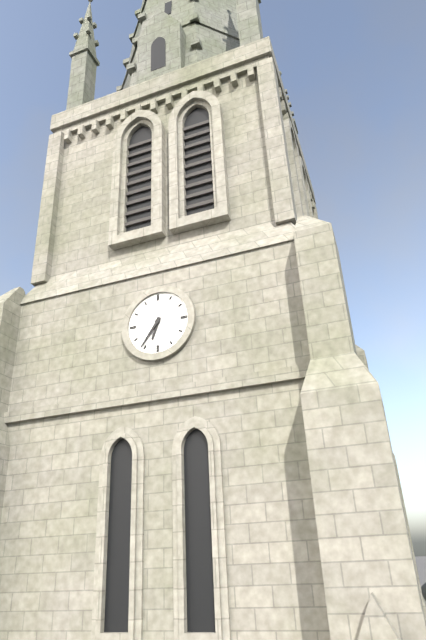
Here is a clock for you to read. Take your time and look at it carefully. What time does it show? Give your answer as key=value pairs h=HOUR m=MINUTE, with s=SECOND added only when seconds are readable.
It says h=6 m=36
